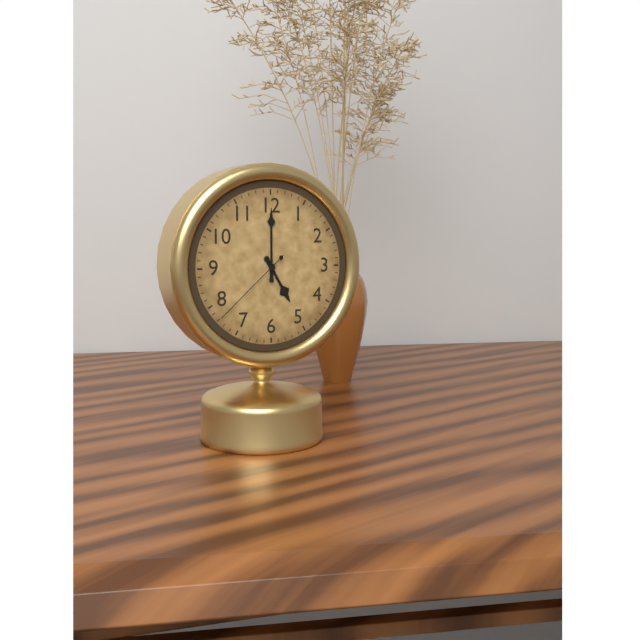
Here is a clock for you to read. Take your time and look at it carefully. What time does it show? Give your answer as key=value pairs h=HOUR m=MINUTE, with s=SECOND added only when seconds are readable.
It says h=5 m=0 s=38
